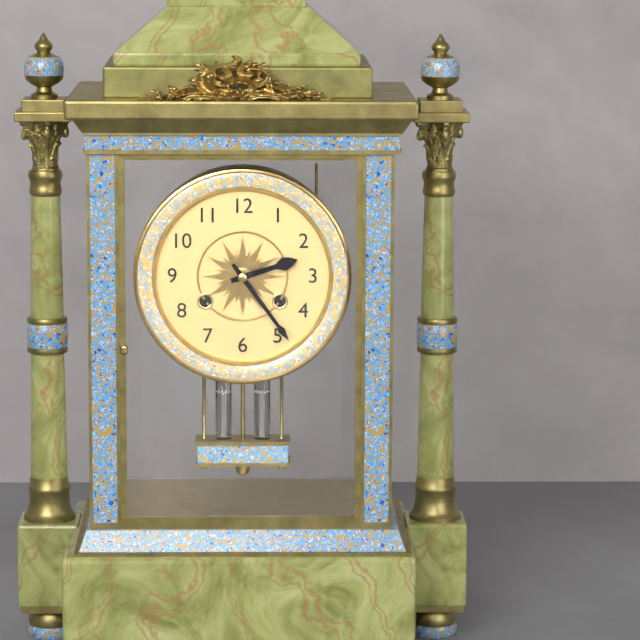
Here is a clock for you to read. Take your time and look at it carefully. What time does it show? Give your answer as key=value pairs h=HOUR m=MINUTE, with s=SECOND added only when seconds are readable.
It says h=2 m=24
